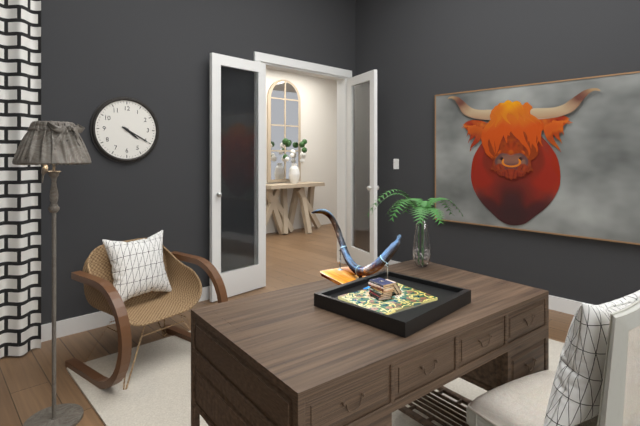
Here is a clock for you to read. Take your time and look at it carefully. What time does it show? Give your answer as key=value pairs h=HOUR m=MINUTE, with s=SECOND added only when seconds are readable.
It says h=4 m=20
